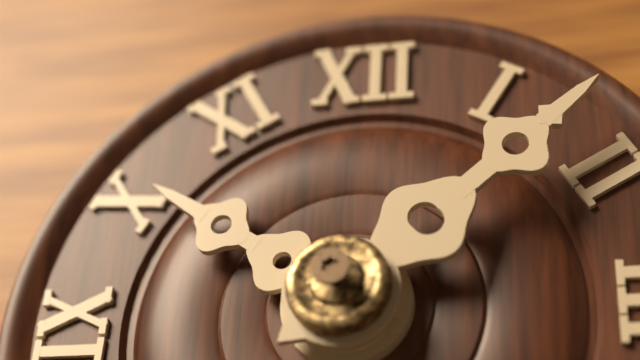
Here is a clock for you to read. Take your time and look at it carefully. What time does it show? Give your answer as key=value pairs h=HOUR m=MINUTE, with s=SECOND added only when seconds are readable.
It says h=10 m=8
